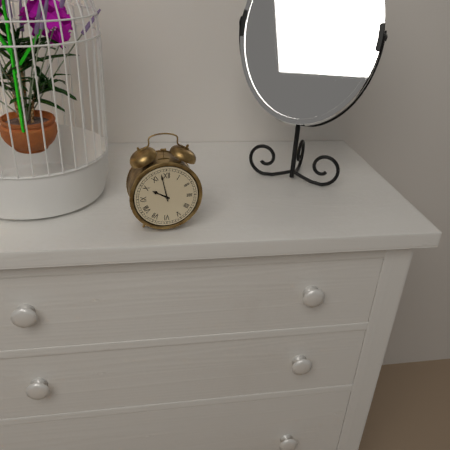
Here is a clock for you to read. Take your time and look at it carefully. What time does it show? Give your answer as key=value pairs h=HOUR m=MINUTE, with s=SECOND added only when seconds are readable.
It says h=9 m=58
